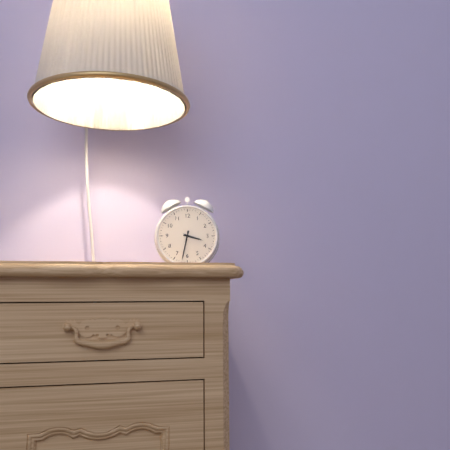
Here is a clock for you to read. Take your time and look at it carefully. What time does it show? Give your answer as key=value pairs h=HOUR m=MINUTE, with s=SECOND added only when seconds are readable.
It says h=3 m=32
